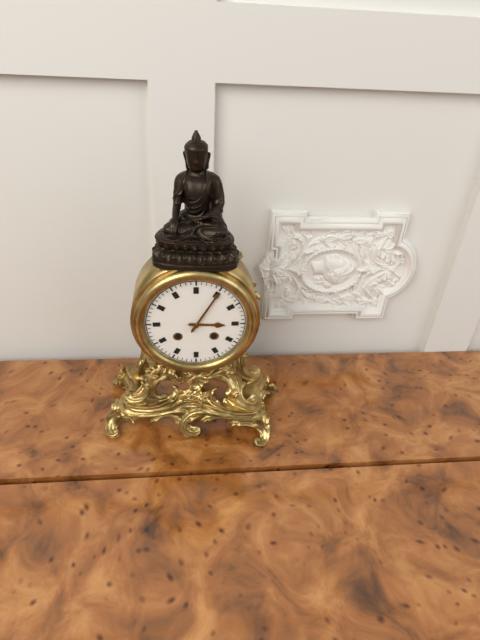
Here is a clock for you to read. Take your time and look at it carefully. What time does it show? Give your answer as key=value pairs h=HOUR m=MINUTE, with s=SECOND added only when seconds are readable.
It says h=3 m=5
